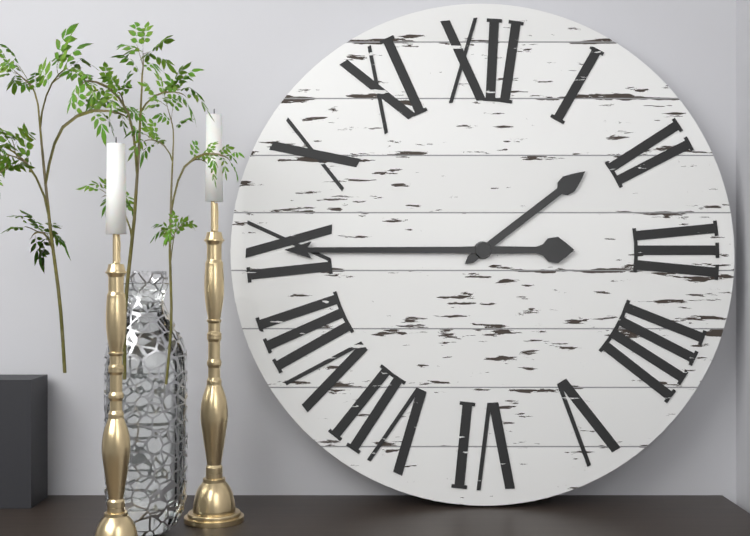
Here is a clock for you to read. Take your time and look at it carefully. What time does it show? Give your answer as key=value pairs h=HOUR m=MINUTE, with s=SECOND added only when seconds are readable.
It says h=1 m=45
